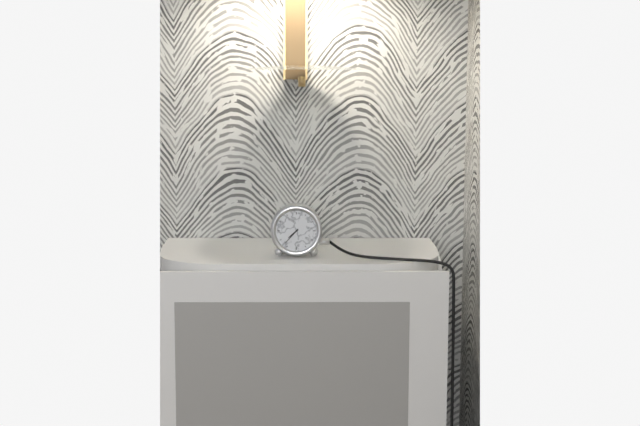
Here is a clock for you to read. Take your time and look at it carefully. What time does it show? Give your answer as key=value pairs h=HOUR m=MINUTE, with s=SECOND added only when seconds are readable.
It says h=7 m=37
